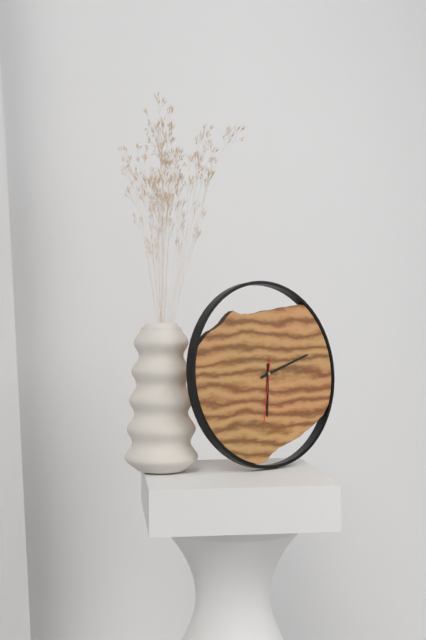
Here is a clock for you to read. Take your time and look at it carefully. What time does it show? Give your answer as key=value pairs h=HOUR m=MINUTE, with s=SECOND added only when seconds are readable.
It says h=6 m=12 s=32
